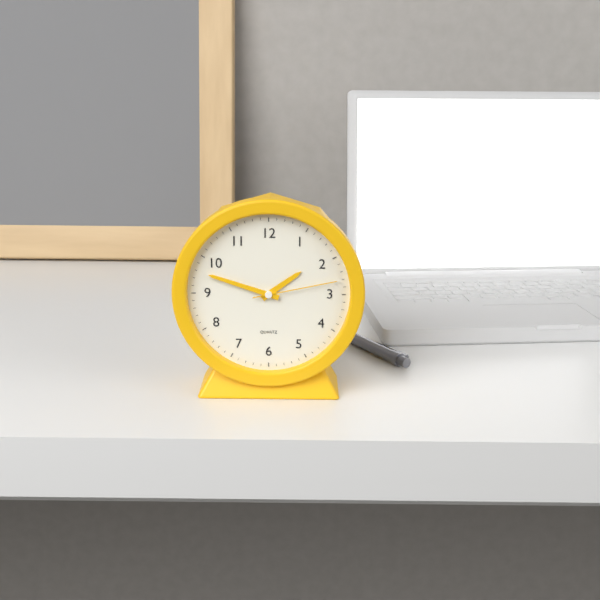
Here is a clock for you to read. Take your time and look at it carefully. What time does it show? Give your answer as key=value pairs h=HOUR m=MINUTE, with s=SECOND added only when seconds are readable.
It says h=1 m=48 s=13
